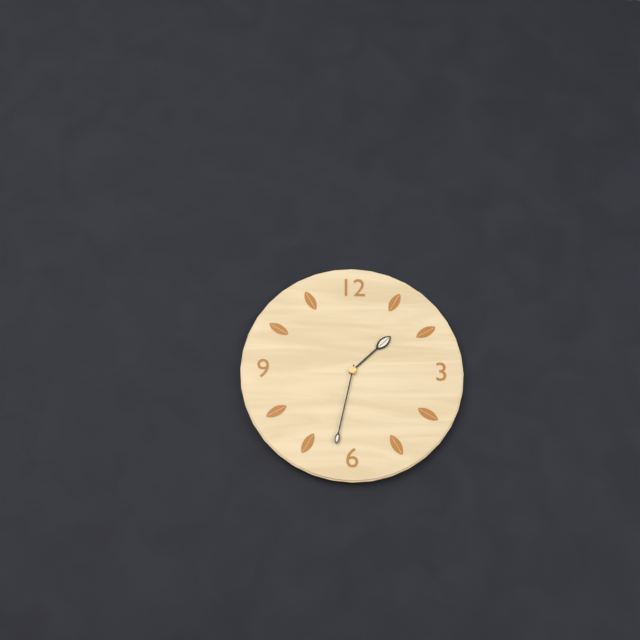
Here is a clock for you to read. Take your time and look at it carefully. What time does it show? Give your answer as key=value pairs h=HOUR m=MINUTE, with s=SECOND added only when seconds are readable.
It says h=1 m=32
